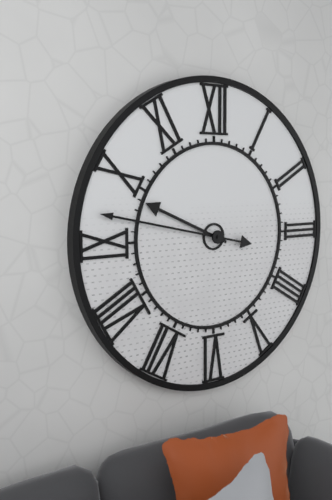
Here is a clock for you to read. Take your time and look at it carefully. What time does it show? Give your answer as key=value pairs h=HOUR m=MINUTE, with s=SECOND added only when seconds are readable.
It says h=9 m=47
